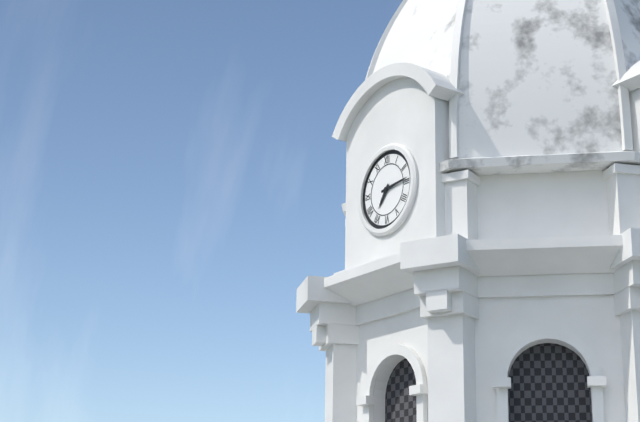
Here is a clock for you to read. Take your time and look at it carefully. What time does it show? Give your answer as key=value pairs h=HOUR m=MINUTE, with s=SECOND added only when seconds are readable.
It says h=7 m=14
